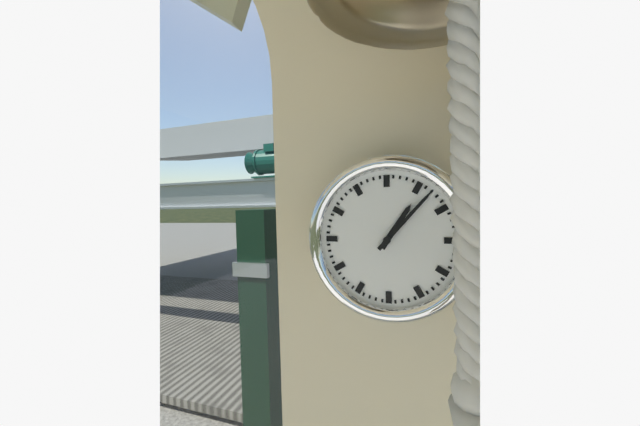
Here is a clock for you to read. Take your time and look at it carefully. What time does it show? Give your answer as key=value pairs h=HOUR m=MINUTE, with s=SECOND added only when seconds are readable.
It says h=1 m=7
